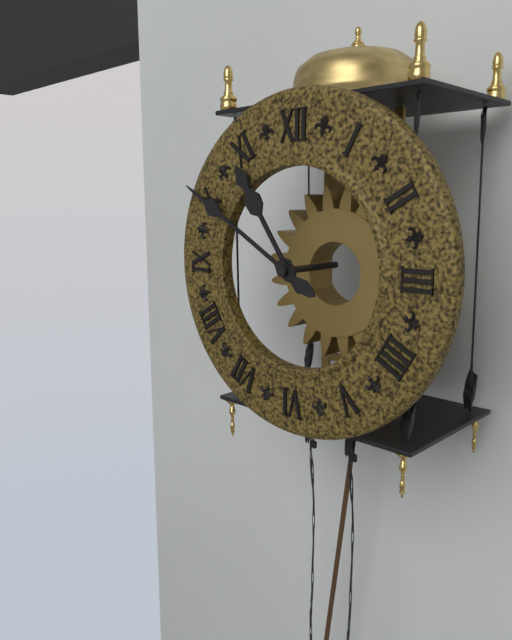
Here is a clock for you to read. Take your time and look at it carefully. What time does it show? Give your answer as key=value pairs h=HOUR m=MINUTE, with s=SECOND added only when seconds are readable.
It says h=10 m=50
